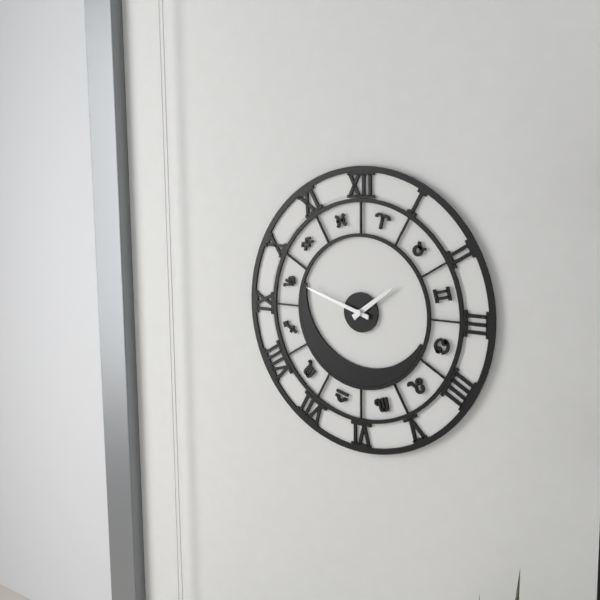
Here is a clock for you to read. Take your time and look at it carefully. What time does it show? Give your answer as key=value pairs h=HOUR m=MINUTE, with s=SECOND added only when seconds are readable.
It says h=1 m=48
